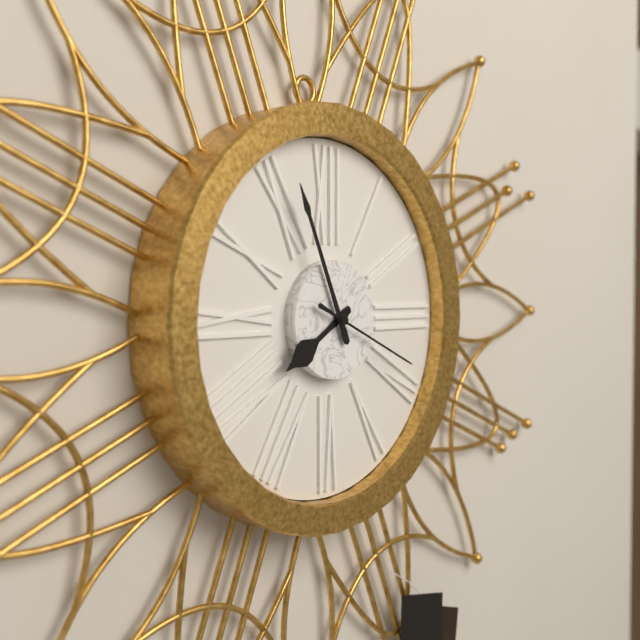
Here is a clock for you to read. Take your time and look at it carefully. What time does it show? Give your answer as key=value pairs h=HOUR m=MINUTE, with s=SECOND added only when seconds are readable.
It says h=7 m=56 s=19
